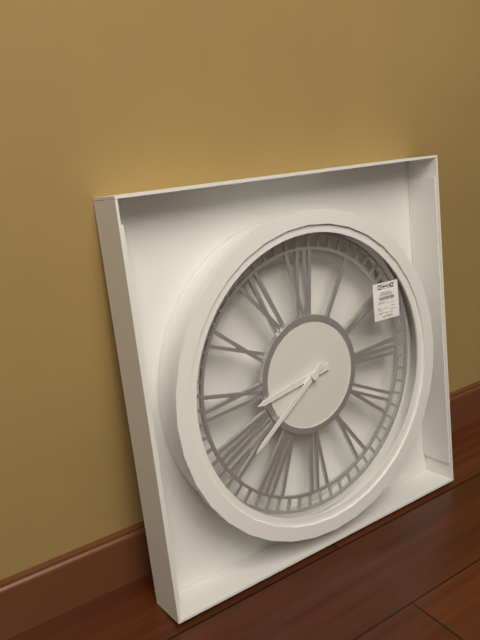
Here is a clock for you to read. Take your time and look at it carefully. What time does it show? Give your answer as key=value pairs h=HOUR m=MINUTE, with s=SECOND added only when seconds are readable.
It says h=8 m=39
